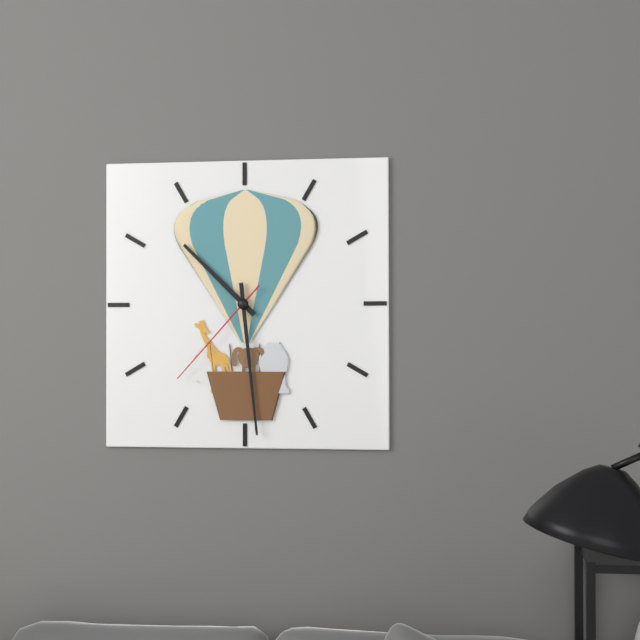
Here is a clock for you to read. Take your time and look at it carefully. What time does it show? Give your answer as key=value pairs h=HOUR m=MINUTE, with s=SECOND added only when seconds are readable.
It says h=10 m=29 s=37
